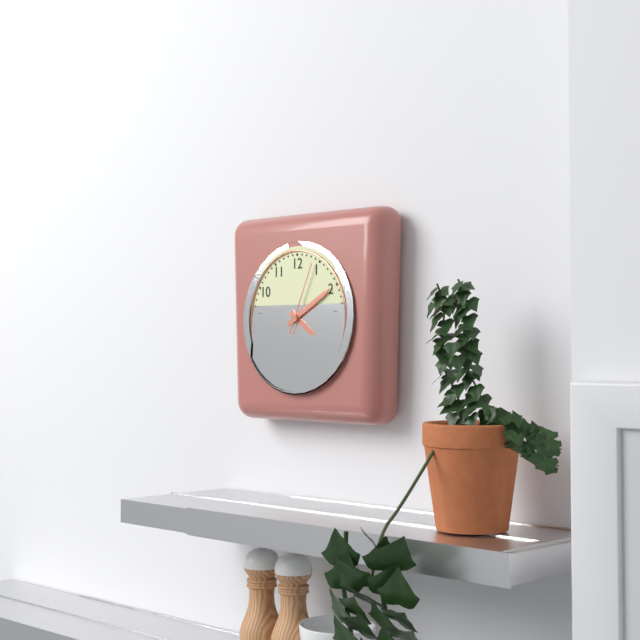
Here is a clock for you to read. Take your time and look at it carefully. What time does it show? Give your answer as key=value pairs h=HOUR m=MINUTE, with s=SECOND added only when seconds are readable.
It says h=4 m=10 s=4
